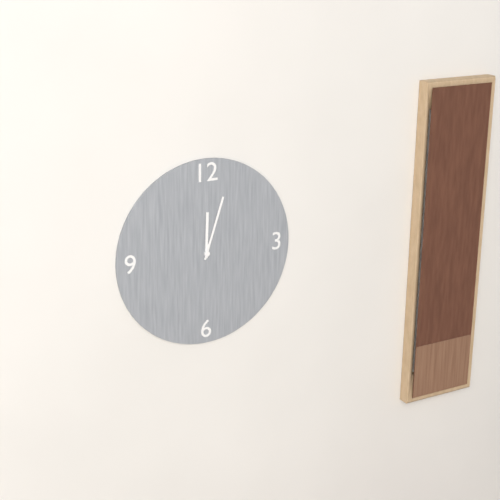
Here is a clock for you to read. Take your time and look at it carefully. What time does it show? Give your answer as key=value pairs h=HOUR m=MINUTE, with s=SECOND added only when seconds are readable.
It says h=12 m=3
